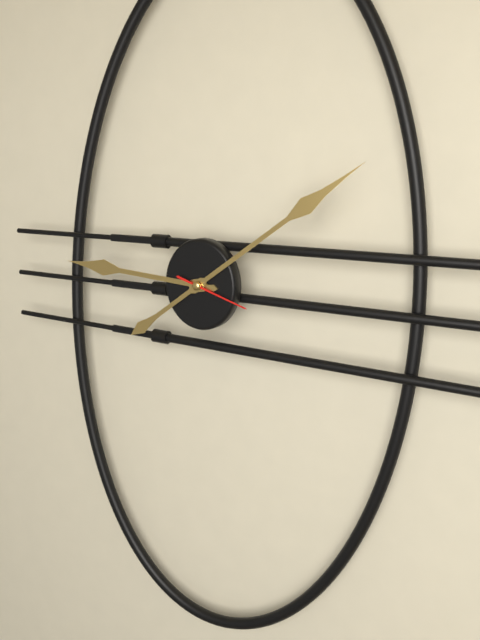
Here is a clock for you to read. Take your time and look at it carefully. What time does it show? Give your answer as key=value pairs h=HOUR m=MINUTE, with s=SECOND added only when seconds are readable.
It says h=9 m=9 s=18
